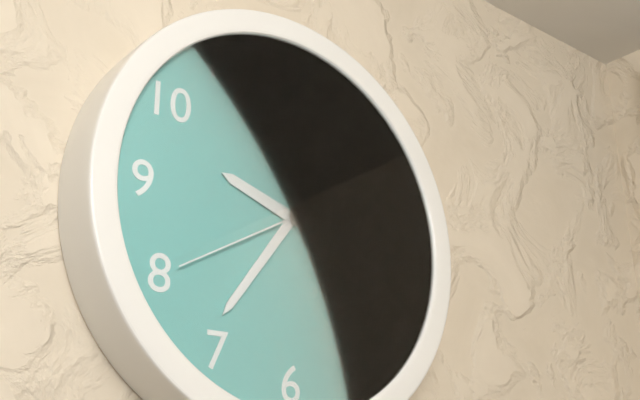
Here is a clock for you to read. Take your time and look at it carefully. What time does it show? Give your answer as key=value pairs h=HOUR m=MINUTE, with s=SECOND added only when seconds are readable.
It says h=9 m=36 s=40
